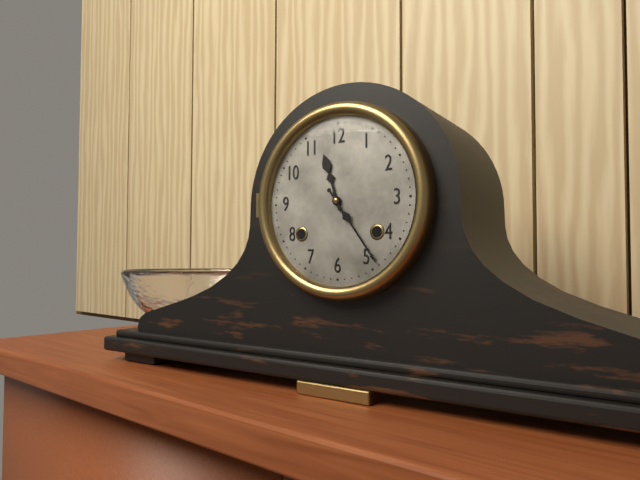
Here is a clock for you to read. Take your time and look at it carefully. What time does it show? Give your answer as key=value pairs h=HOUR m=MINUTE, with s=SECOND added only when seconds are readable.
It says h=11 m=24
